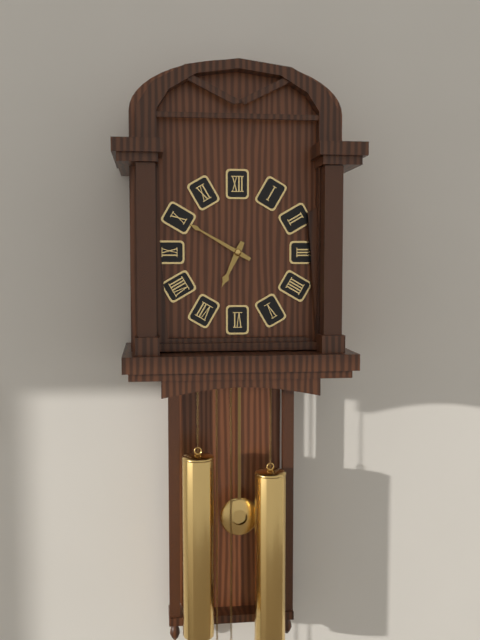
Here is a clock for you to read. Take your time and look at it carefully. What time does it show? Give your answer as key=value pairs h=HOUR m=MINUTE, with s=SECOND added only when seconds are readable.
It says h=6 m=50
